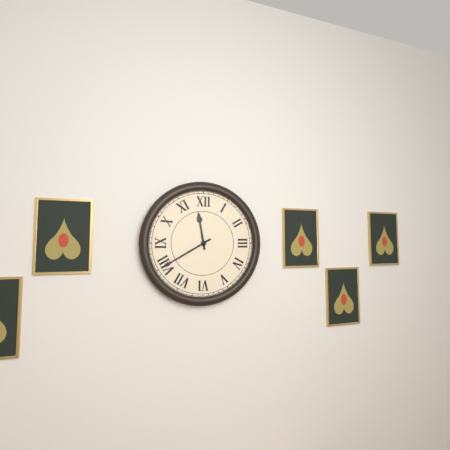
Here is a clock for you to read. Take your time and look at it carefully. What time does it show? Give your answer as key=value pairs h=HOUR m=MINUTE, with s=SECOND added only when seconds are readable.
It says h=11 m=40
